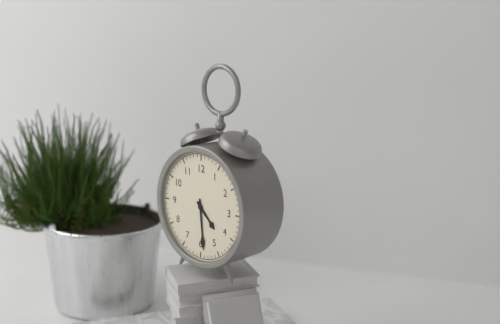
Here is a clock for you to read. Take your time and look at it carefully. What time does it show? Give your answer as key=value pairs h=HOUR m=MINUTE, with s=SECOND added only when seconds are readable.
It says h=4 m=29
